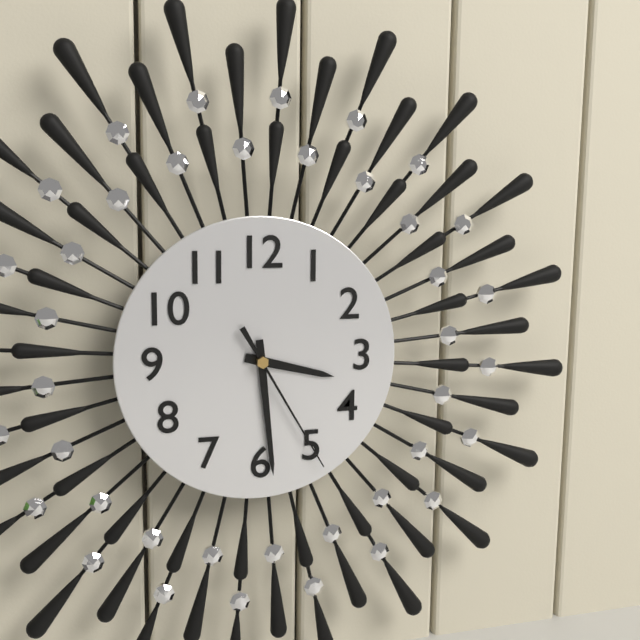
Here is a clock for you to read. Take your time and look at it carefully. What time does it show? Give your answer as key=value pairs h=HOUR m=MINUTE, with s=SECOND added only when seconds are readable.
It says h=3 m=29 s=25
